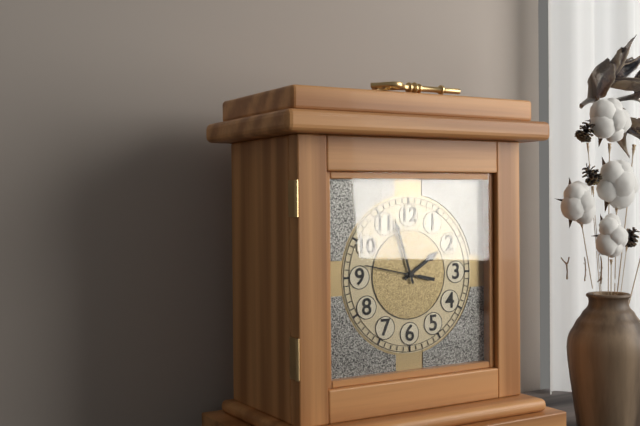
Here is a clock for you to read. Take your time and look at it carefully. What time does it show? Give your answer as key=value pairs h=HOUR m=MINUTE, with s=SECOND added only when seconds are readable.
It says h=1 m=57 s=47
